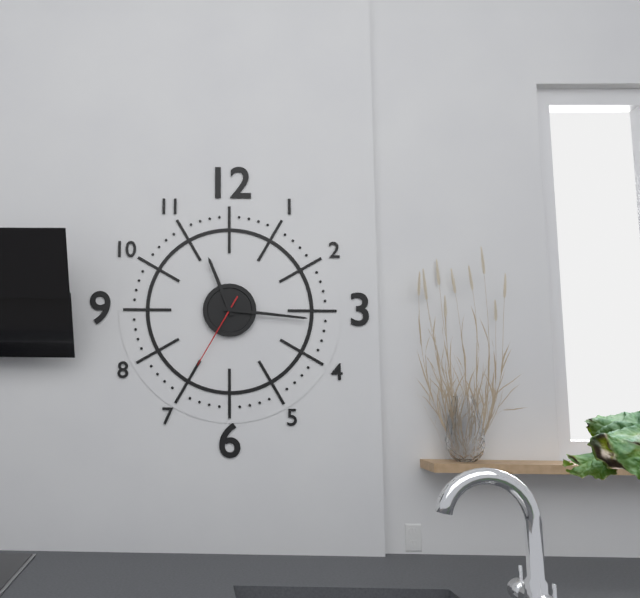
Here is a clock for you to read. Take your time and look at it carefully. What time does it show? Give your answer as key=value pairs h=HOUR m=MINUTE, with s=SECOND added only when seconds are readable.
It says h=11 m=16 s=35
